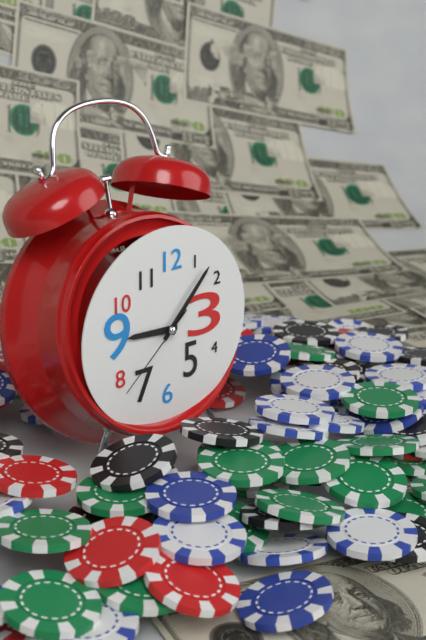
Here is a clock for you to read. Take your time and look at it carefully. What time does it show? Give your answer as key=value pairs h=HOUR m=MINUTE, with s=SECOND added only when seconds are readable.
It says h=9 m=7 s=38
